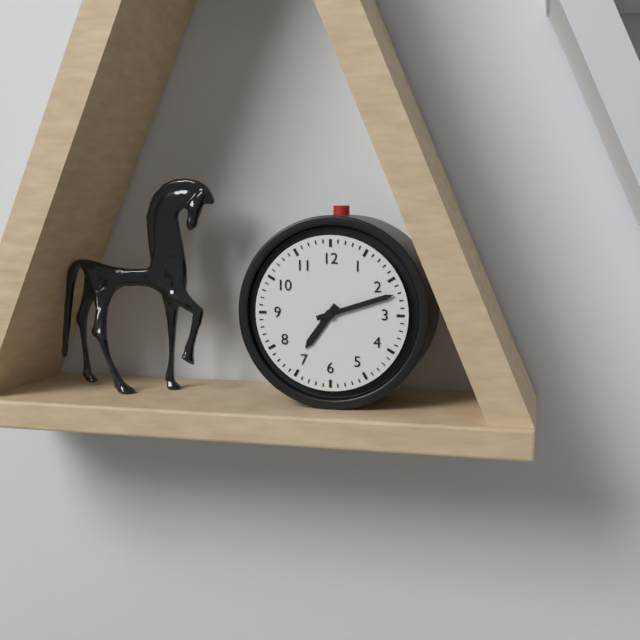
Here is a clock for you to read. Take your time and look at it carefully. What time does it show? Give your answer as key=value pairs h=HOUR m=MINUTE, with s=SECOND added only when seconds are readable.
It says h=7 m=12
